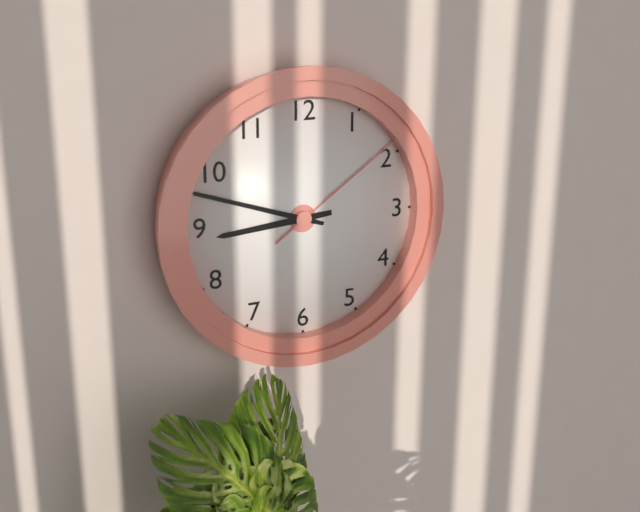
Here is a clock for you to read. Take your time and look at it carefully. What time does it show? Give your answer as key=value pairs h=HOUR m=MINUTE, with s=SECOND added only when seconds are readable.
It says h=8 m=48 s=9
